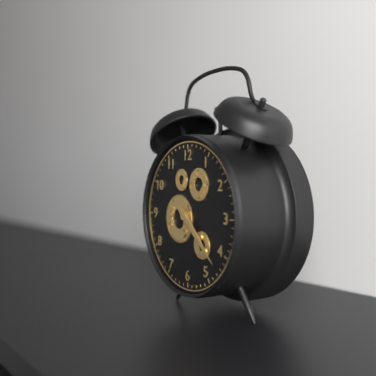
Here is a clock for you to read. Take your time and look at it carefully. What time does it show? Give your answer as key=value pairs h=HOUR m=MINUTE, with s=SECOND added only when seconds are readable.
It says h=4 m=22
